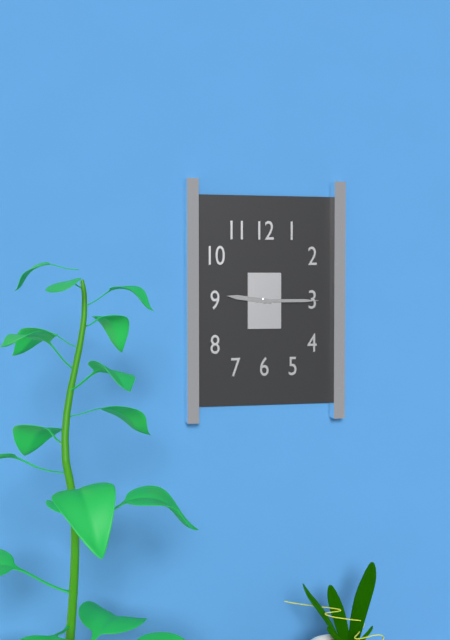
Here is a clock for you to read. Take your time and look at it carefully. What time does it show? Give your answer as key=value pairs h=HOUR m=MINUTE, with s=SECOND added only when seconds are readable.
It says h=9 m=15
